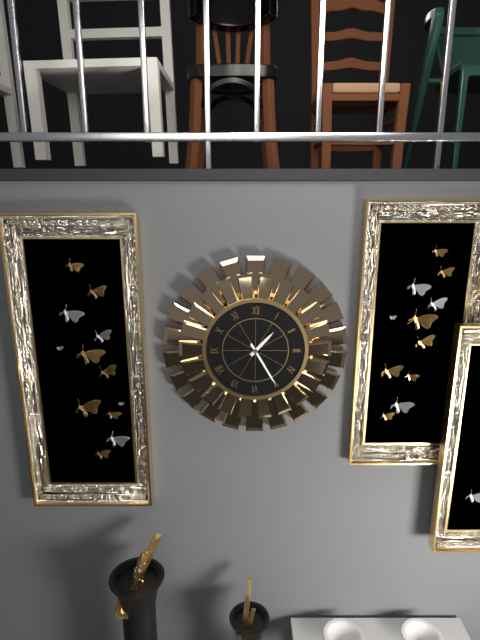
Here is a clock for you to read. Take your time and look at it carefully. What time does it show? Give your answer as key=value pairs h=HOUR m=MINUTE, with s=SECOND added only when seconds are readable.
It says h=1 m=25
